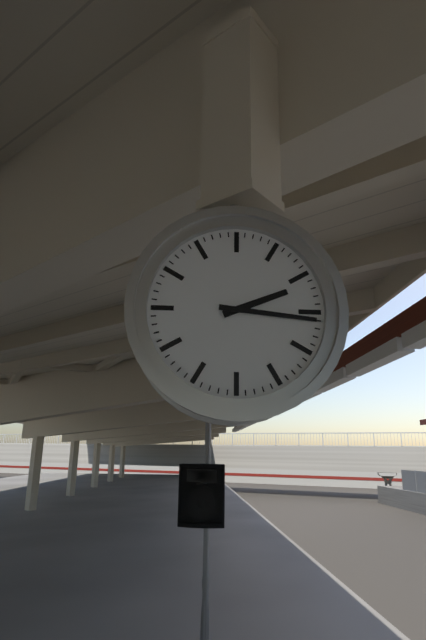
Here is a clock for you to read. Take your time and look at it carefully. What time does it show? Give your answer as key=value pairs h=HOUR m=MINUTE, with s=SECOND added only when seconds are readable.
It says h=2 m=16
